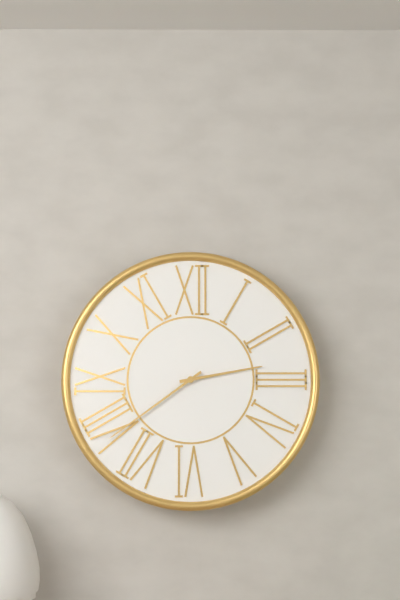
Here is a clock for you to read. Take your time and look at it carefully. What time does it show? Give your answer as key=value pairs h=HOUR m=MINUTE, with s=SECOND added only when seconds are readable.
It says h=2 m=39
